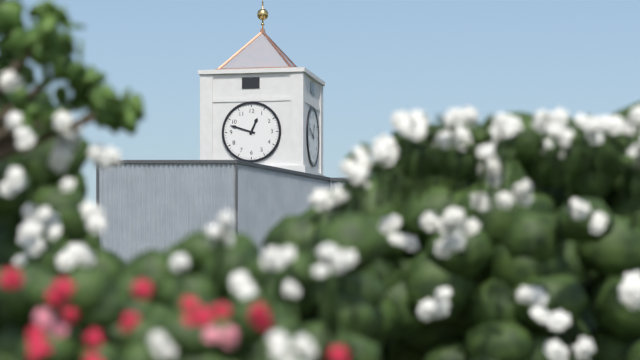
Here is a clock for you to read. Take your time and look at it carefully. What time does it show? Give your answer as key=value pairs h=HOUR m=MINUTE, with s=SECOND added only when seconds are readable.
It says h=12 m=48
